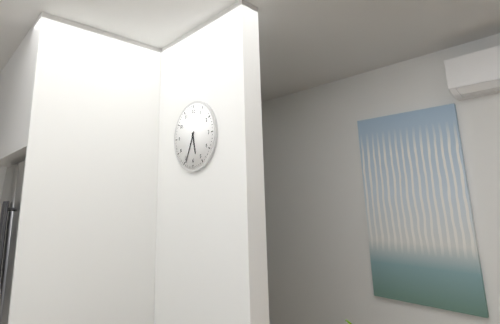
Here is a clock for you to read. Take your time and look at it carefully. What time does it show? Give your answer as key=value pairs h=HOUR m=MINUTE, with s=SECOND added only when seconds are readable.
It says h=5 m=34
